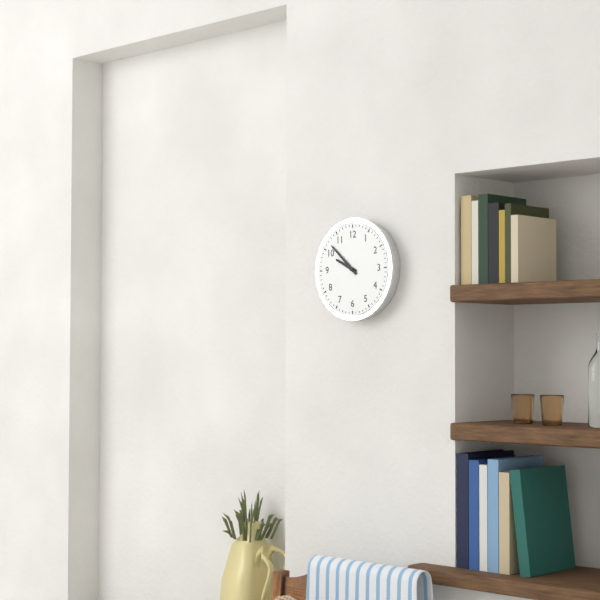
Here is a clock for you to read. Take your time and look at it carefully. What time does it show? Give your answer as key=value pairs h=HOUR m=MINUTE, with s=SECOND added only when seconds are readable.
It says h=9 m=52
